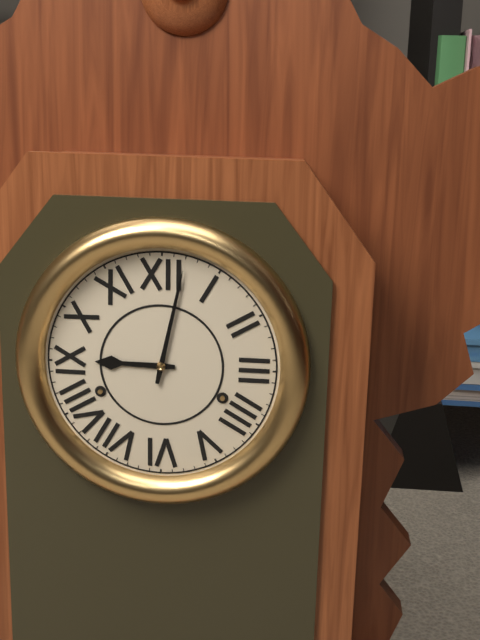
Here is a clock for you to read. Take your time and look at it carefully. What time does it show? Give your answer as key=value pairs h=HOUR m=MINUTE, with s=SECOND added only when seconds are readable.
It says h=9 m=2
